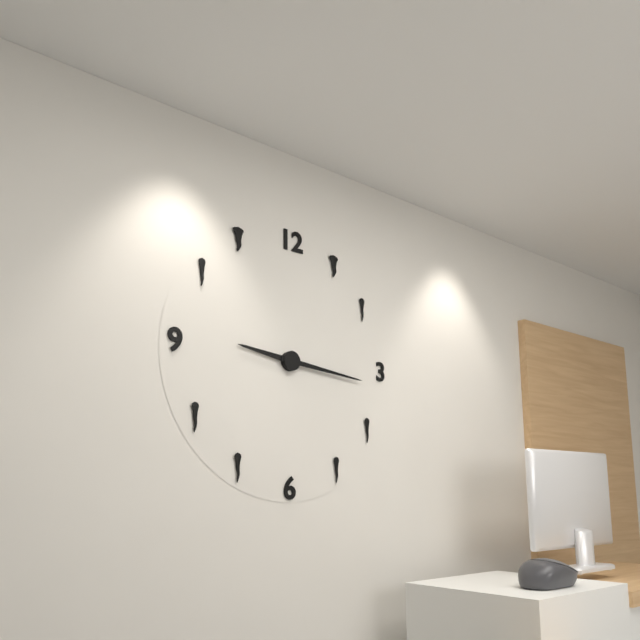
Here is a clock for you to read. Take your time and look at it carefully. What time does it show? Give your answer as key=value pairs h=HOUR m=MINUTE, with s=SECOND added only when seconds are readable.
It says h=9 m=16
